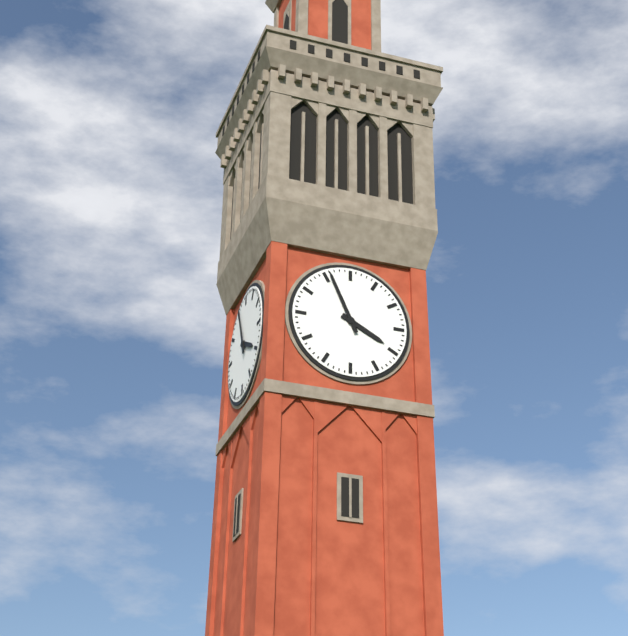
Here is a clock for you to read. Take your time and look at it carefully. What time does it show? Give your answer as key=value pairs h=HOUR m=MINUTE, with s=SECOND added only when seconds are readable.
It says h=3 m=56
